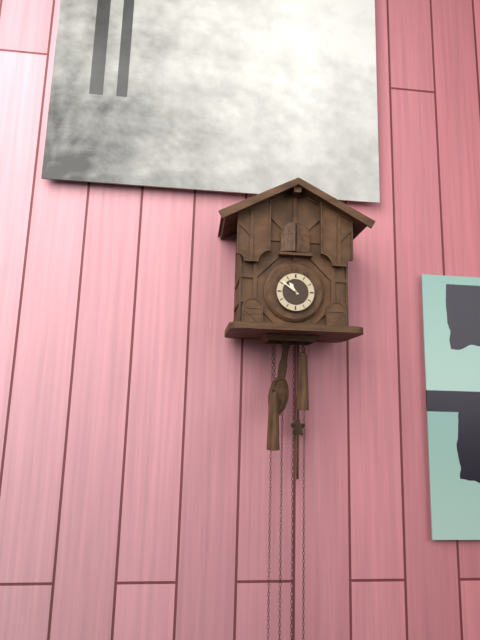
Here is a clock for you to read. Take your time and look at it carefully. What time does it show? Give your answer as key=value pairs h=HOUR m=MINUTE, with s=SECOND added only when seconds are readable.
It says h=10 m=51
